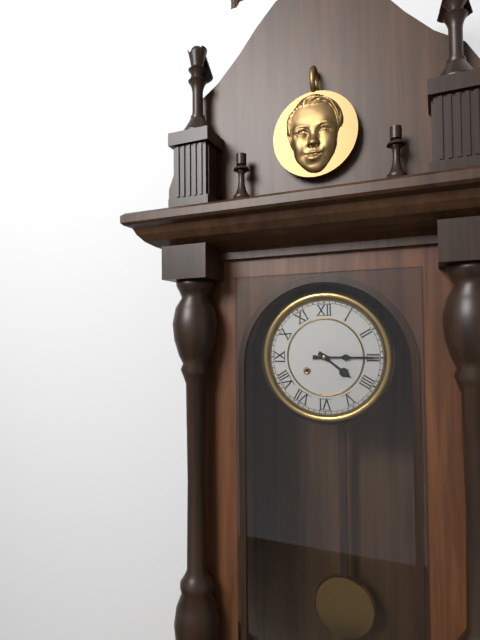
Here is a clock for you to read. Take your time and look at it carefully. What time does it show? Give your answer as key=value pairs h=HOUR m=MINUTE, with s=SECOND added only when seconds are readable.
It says h=4 m=15
